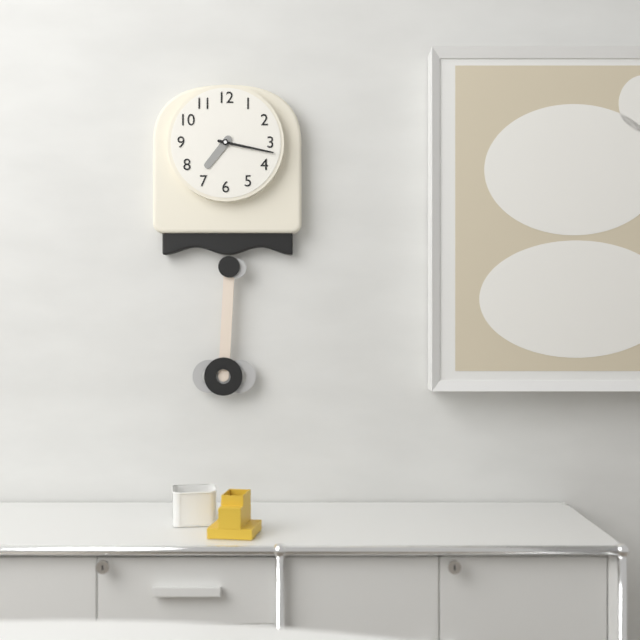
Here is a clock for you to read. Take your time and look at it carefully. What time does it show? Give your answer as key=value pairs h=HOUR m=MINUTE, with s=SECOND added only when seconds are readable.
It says h=7 m=17
